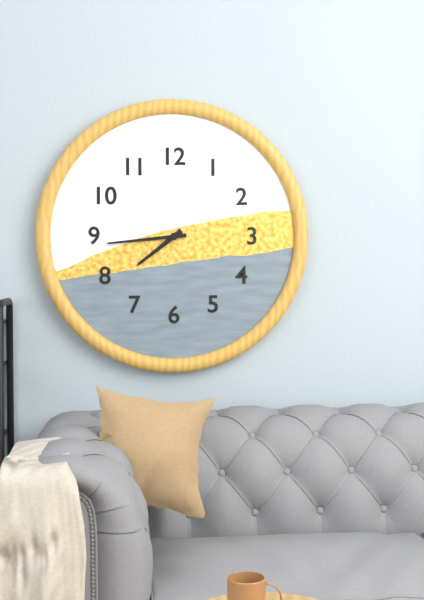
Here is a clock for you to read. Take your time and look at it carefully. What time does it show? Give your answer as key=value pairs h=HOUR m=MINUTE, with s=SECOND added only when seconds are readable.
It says h=7 m=44
